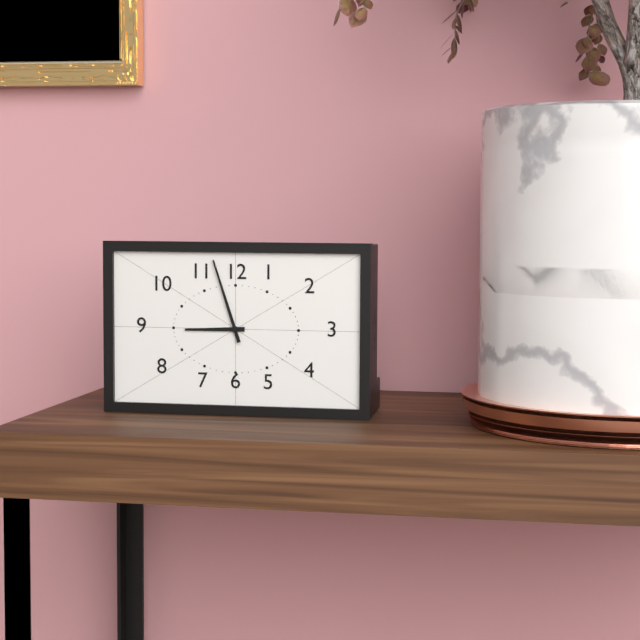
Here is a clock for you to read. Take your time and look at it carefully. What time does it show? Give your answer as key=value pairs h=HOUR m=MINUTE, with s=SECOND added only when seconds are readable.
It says h=8 m=57
